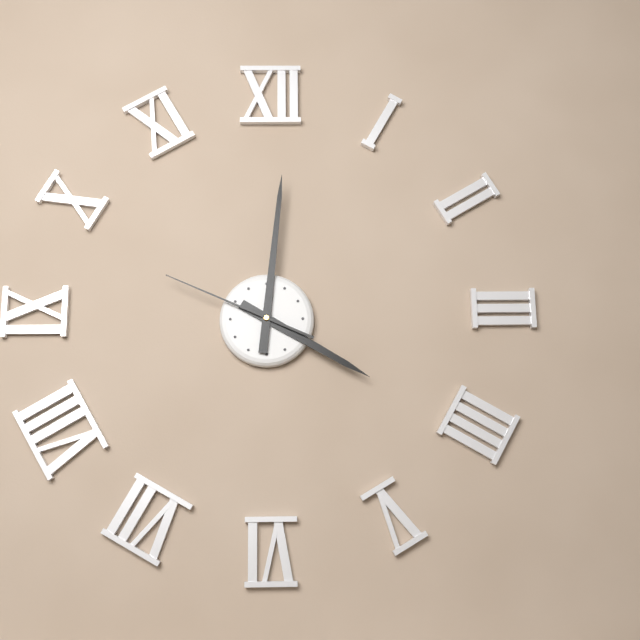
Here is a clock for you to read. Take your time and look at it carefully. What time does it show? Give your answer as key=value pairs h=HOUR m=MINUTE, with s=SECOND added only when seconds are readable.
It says h=4 m=1 s=49
